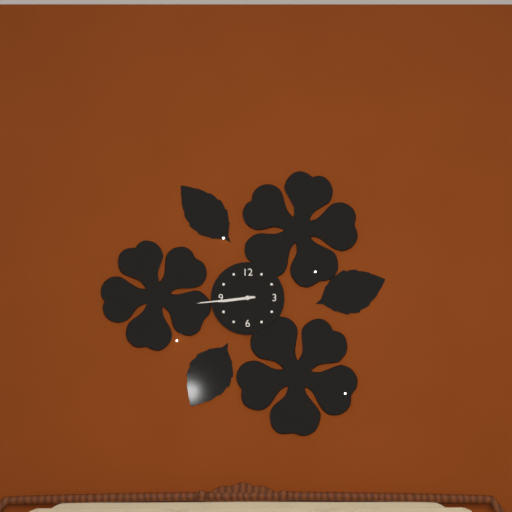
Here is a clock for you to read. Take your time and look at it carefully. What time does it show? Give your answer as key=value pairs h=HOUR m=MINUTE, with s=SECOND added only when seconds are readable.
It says h=8 m=44
